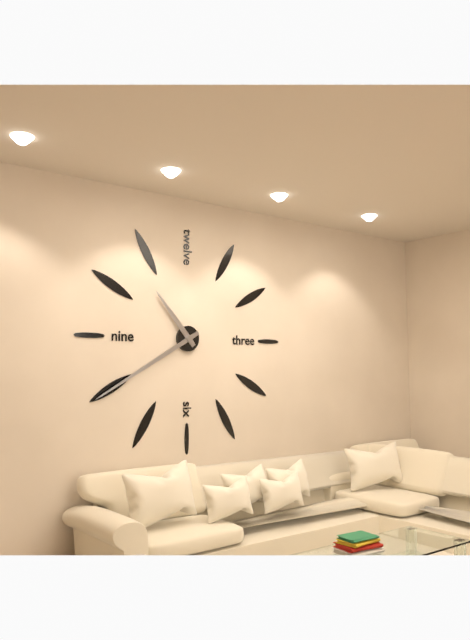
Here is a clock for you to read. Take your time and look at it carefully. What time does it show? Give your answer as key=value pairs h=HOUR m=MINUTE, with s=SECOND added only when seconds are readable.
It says h=10 m=40
